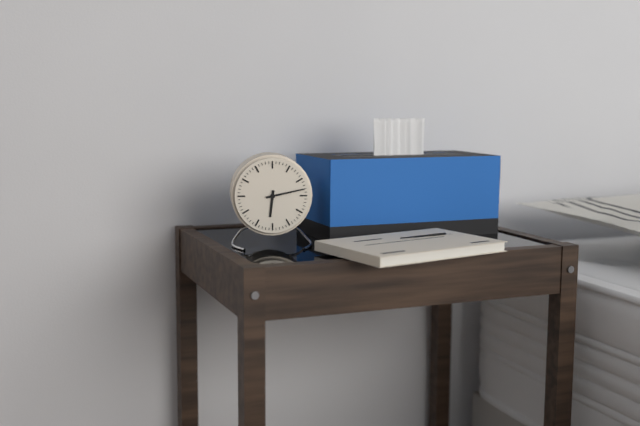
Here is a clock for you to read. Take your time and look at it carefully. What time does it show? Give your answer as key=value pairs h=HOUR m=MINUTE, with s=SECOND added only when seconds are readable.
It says h=6 m=13
